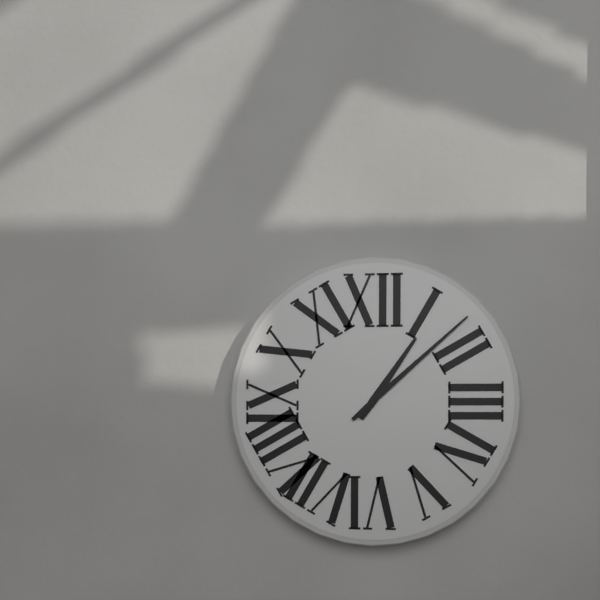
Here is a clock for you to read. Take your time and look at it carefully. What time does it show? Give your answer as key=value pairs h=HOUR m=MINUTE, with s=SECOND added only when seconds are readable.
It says h=1 m=8
